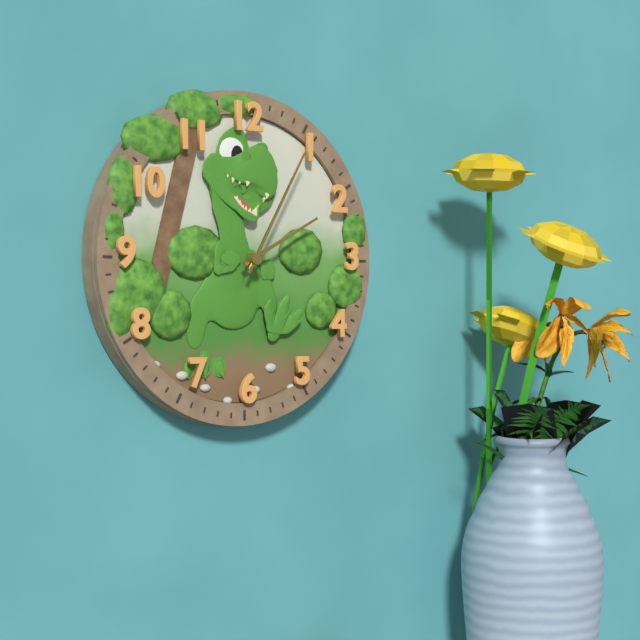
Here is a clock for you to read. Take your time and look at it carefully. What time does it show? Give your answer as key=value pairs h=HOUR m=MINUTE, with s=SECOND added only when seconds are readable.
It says h=2 m=5
